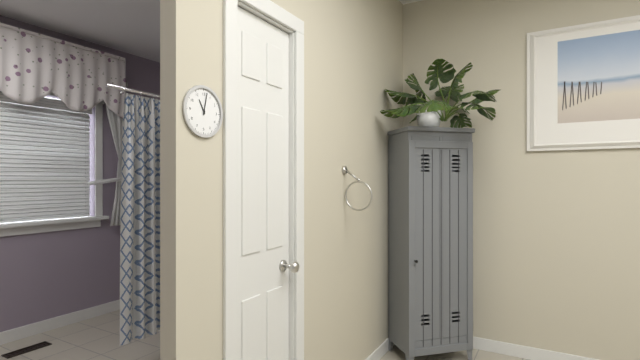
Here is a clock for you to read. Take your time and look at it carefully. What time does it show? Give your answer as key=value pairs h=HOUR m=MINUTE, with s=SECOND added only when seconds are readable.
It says h=11 m=2
